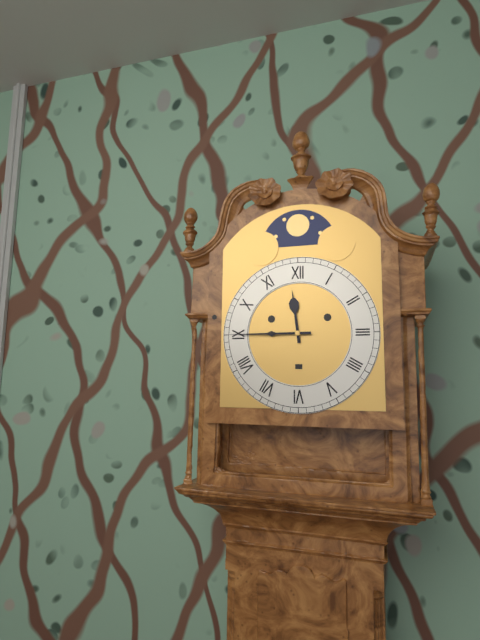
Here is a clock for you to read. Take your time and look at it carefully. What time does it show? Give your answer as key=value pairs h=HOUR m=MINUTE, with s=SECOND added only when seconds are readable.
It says h=11 m=45
